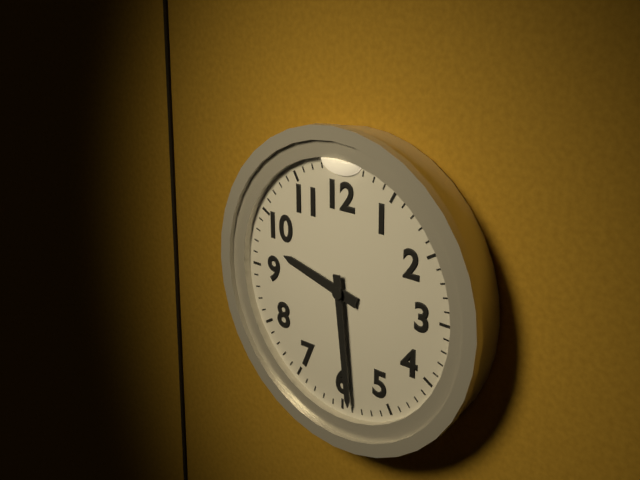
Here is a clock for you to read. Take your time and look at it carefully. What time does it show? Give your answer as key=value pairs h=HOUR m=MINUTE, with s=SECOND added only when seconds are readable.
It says h=9 m=29
